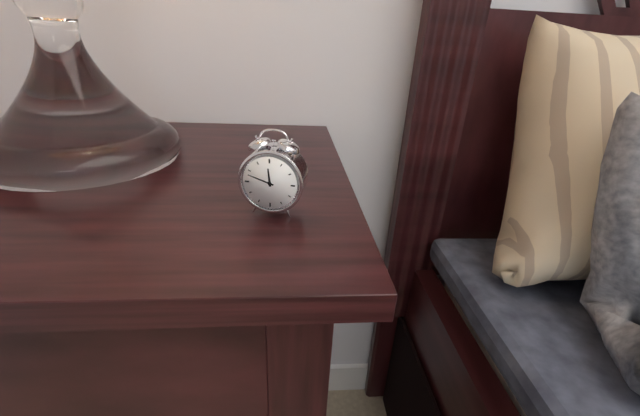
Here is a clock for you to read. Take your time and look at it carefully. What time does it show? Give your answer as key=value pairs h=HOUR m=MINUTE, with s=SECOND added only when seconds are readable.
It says h=11 m=48
